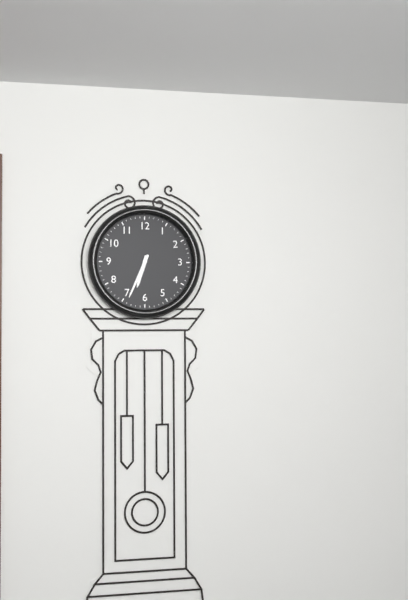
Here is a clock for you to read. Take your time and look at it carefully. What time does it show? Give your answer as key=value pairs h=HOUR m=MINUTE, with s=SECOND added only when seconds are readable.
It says h=6 m=34
